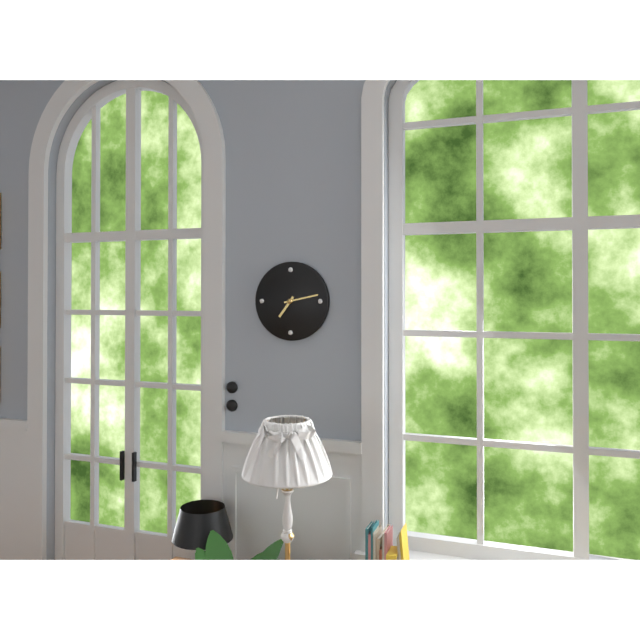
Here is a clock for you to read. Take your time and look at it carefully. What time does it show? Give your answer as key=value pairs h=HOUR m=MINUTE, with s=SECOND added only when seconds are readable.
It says h=7 m=13
